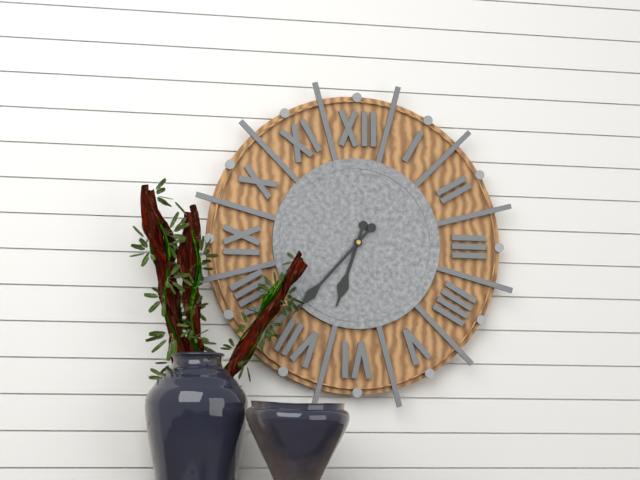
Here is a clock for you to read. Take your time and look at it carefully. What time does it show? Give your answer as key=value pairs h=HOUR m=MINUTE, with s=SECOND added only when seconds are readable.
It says h=6 m=37
